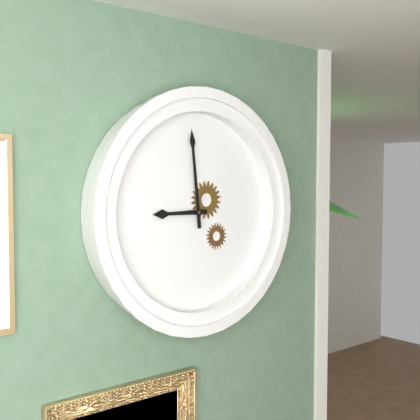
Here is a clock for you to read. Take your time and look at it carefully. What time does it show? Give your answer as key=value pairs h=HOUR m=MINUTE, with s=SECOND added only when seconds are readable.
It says h=8 m=59
